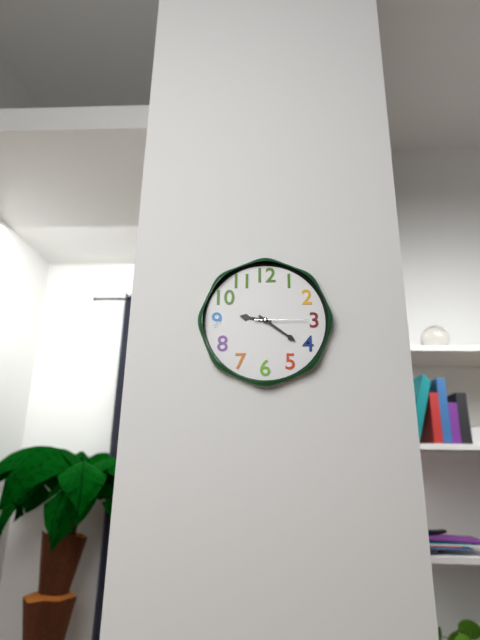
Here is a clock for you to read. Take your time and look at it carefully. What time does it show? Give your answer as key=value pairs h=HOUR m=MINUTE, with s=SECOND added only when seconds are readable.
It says h=9 m=21 s=15
